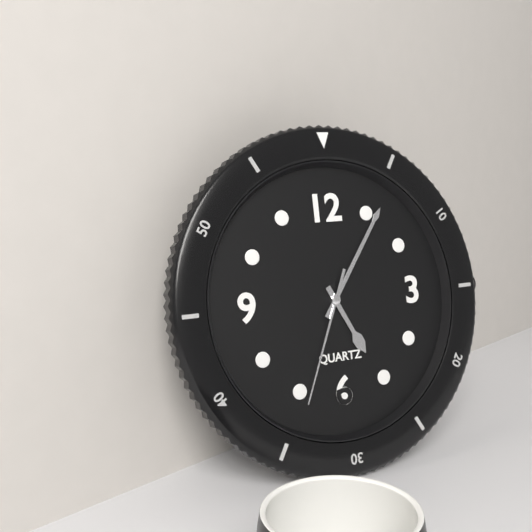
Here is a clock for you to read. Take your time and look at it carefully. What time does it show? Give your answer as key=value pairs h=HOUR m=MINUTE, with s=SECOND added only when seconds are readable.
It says h=5 m=6 s=34
